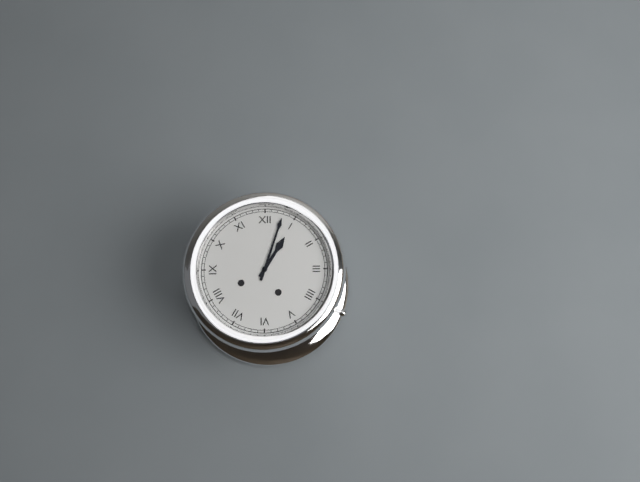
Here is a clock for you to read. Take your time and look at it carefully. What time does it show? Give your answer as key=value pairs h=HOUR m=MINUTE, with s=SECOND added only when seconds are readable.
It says h=1 m=3
